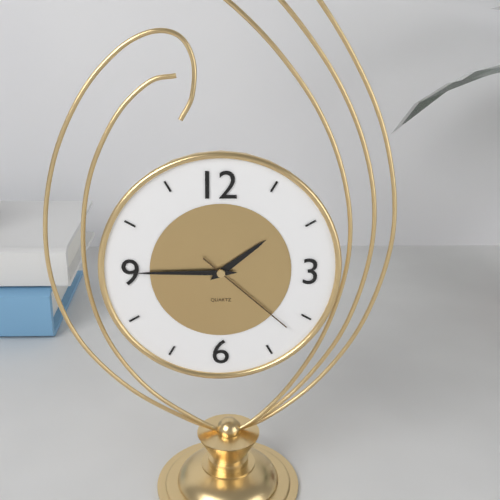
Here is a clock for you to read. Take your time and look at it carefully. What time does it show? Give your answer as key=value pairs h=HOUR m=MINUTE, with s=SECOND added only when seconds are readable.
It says h=1 m=45 s=22
